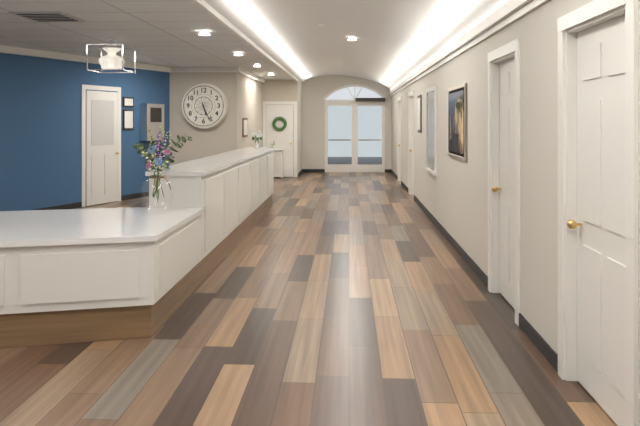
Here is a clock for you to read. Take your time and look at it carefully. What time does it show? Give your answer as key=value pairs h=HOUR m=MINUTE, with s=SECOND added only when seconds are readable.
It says h=5 m=26
